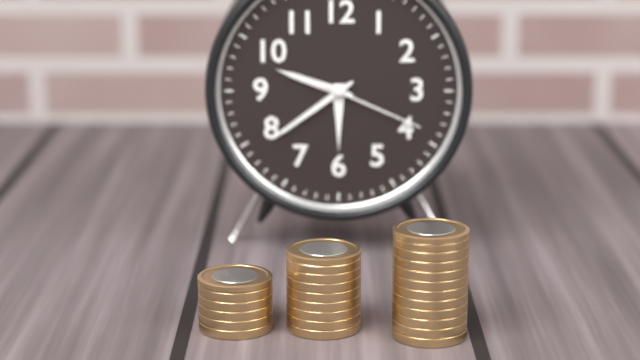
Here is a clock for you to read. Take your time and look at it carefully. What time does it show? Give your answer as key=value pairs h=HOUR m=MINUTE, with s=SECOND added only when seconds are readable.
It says h=9 m=39 s=19
